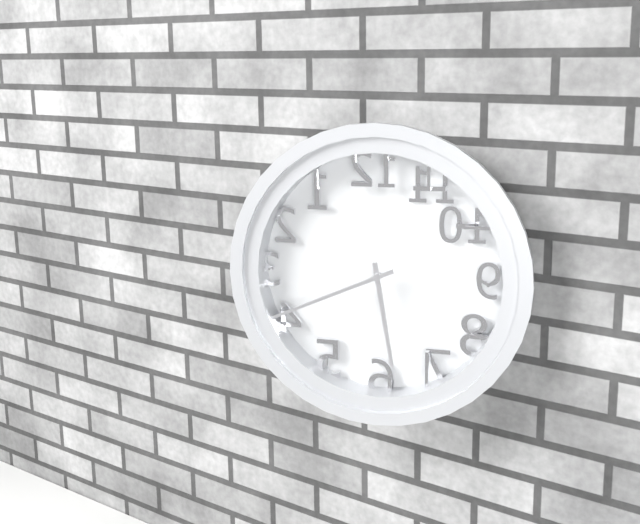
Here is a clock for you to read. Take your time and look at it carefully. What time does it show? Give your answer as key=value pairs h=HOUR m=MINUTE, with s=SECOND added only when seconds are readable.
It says h=5 m=41
